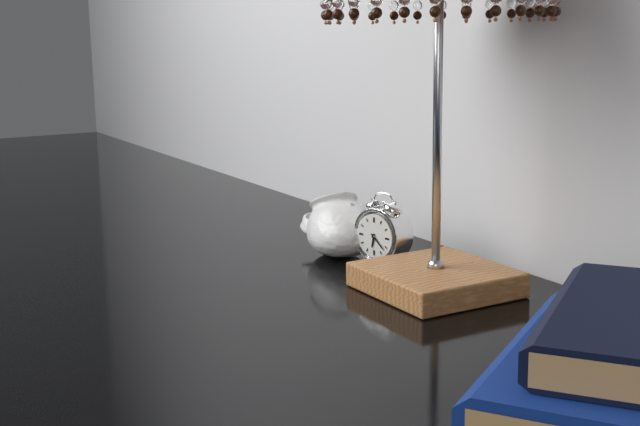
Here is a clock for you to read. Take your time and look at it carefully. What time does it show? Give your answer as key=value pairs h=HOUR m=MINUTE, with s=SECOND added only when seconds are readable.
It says h=6 m=22
